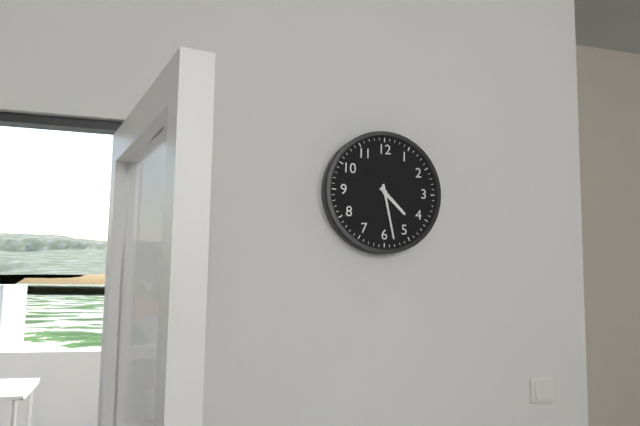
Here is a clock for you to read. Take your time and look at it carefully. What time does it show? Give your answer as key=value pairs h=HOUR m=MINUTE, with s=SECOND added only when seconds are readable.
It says h=4 m=28
